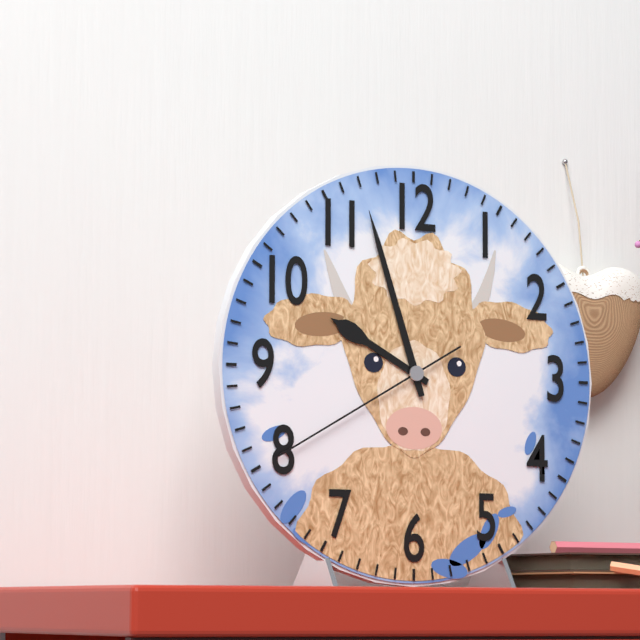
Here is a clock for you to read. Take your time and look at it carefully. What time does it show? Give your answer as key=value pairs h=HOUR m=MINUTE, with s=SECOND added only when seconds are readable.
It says h=9 m=57 s=40
